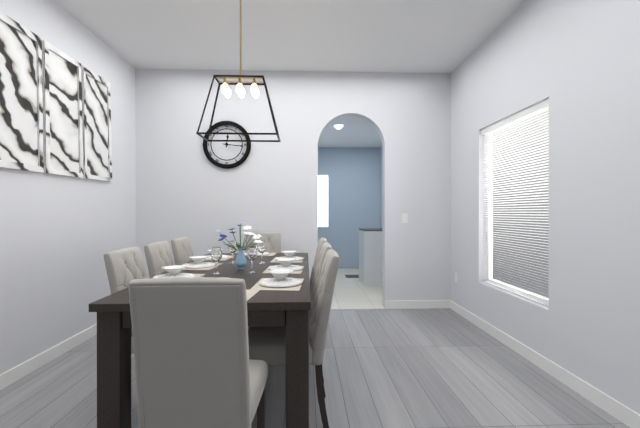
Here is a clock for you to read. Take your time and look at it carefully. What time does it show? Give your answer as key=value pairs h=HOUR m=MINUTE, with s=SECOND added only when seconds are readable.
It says h=12 m=16
